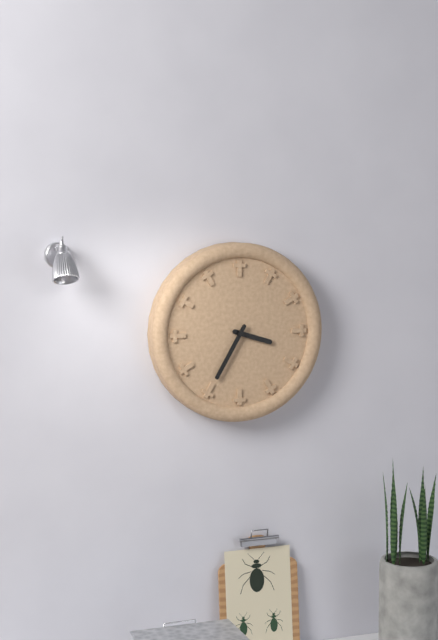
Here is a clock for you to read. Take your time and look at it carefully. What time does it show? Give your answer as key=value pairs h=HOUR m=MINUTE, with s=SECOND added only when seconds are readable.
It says h=3 m=35
